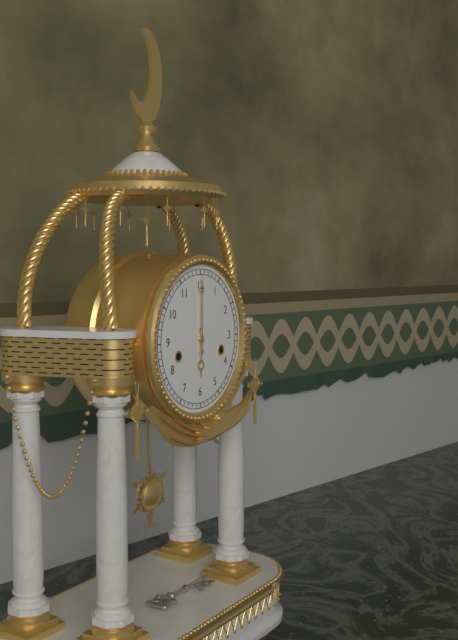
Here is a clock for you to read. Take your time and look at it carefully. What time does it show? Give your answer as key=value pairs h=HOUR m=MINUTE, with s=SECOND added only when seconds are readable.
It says h=6 m=0
